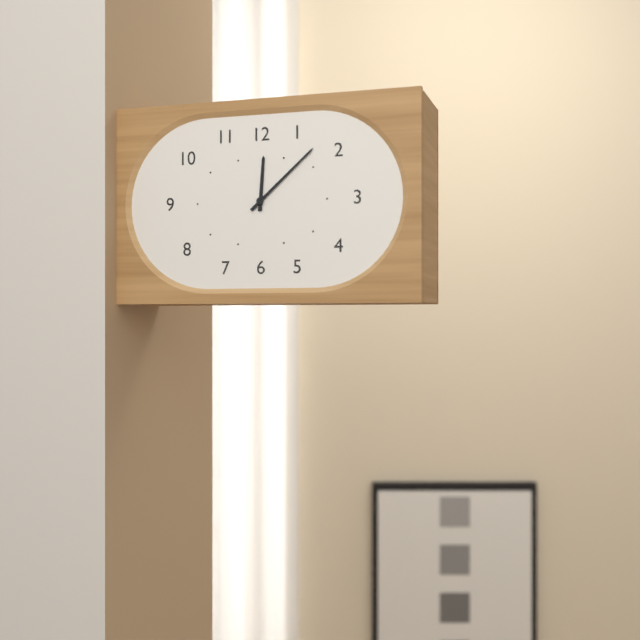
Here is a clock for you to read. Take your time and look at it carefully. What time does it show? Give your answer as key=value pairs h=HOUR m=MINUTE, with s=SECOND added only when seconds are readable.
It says h=12 m=8
